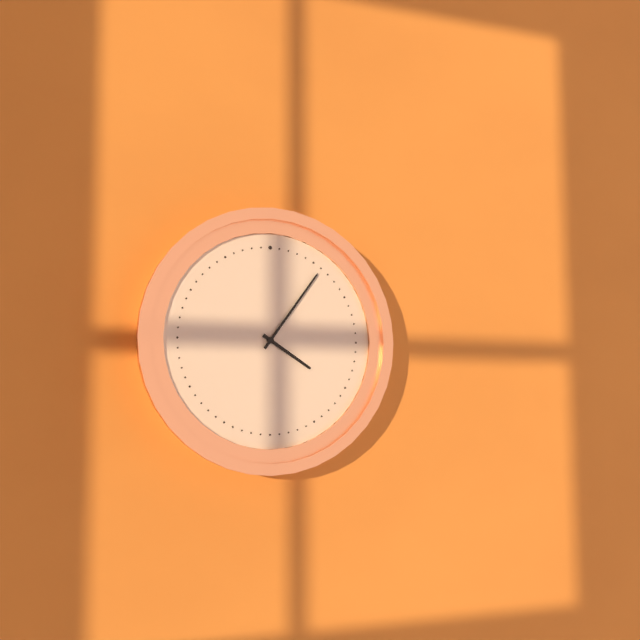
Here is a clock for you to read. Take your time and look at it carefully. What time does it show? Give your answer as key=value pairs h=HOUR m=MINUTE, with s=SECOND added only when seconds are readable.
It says h=4 m=6
